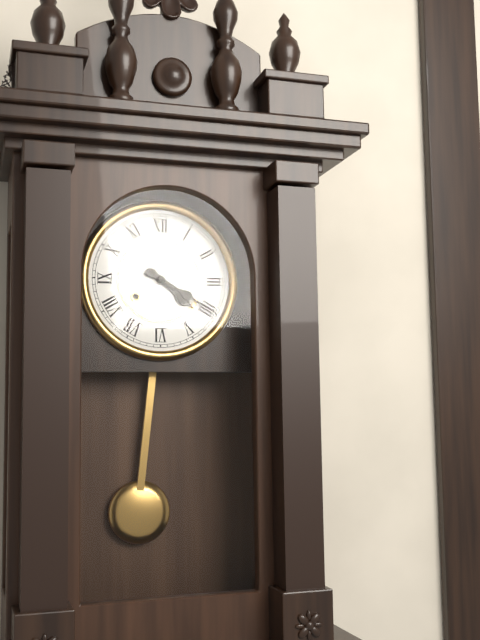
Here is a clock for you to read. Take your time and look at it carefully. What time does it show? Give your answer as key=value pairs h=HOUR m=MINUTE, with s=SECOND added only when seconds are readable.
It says h=4 m=20
